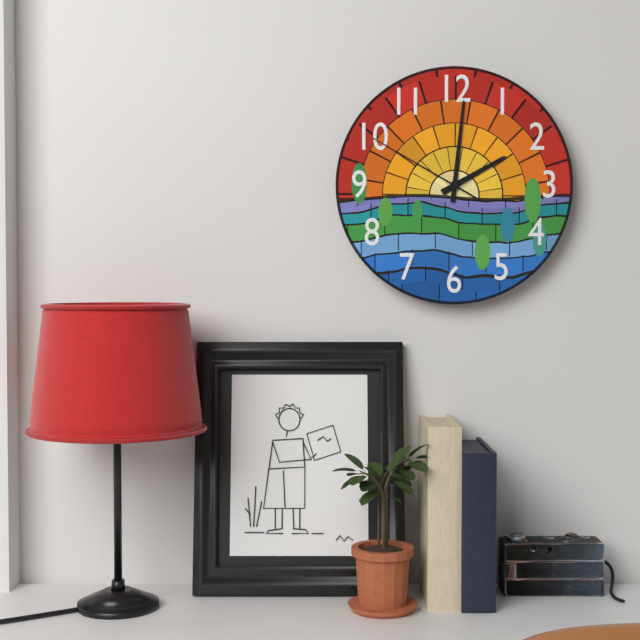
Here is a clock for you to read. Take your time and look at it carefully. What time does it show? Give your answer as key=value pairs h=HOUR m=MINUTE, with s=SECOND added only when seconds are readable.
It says h=2 m=1 s=50
